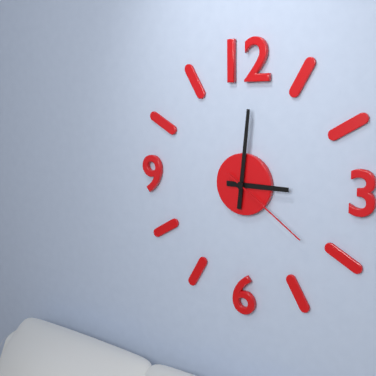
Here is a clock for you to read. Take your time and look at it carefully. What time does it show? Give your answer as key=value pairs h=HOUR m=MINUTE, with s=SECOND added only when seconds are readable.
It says h=3 m=1 s=21
